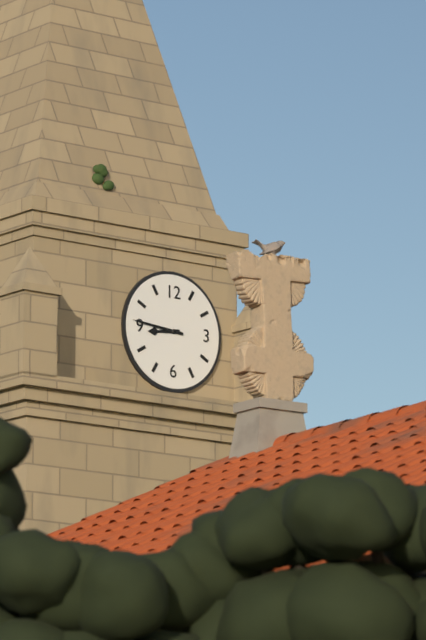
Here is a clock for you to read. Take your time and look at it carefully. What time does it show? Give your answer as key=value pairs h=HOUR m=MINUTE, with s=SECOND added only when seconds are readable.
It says h=8 m=46
